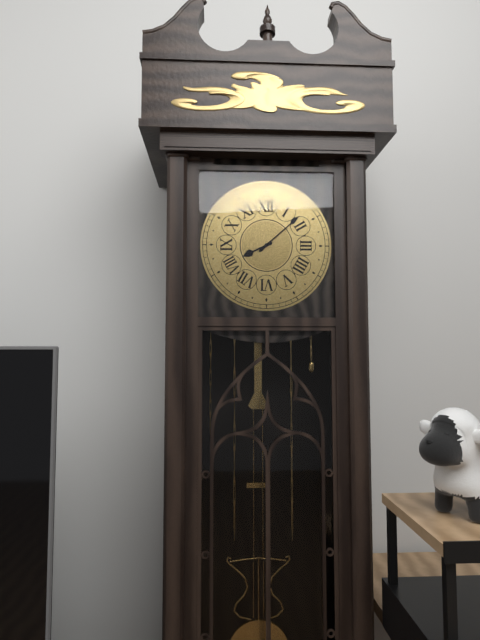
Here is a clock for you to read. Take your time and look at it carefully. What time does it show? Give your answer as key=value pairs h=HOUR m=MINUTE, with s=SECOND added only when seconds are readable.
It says h=8 m=8
